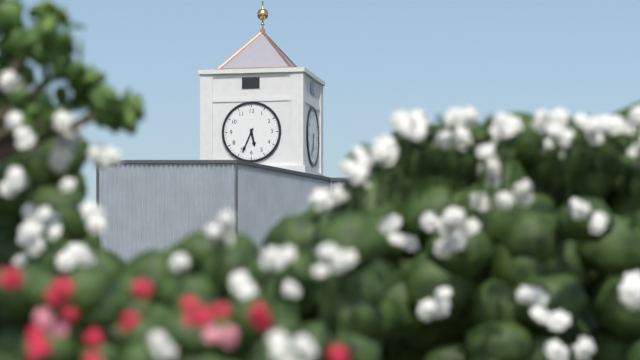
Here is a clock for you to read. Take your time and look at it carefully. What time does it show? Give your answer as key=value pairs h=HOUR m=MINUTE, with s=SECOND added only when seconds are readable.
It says h=5 m=34
